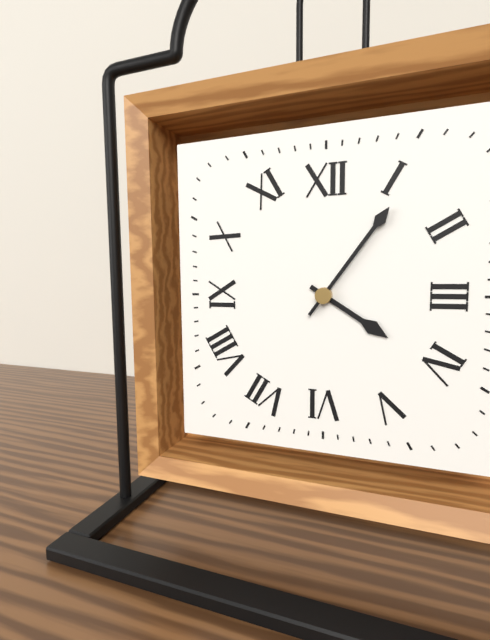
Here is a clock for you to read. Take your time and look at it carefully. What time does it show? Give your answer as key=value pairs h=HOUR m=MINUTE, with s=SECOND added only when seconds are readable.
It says h=4 m=6
